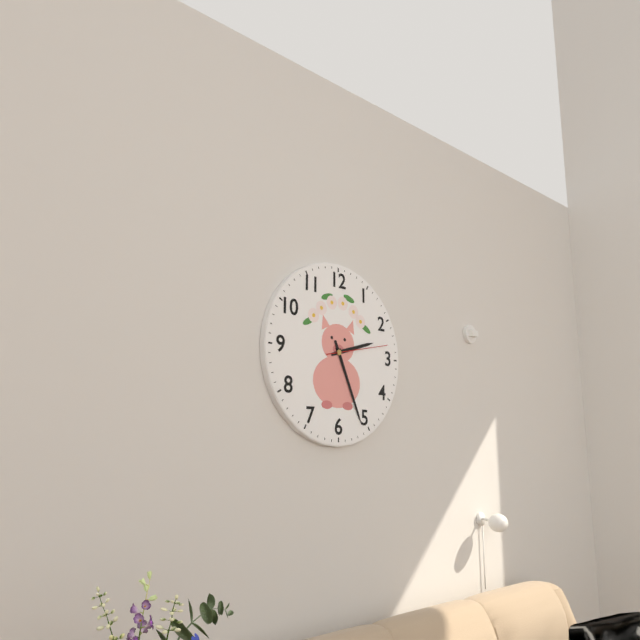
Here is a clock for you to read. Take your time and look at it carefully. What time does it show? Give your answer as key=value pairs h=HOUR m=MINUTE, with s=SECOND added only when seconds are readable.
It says h=2 m=26 s=13
